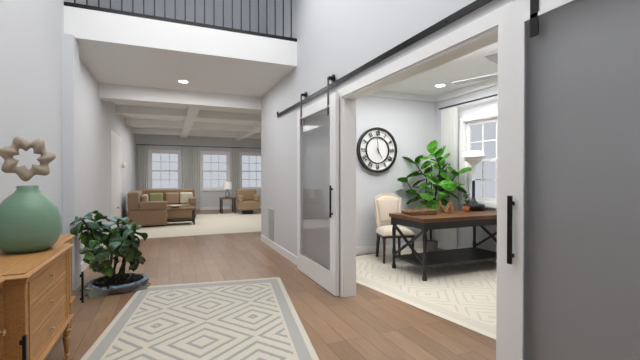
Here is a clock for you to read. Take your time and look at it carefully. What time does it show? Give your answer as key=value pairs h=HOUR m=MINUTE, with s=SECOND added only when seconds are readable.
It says h=4 m=59
